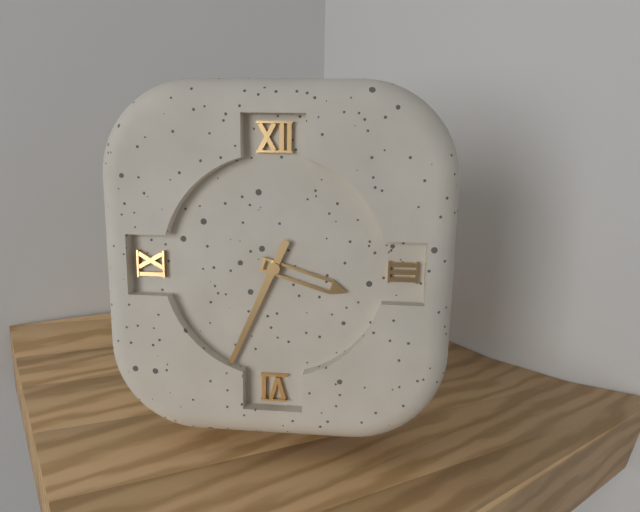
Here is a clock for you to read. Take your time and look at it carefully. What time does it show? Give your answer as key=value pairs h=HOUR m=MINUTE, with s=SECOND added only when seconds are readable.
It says h=3 m=34
